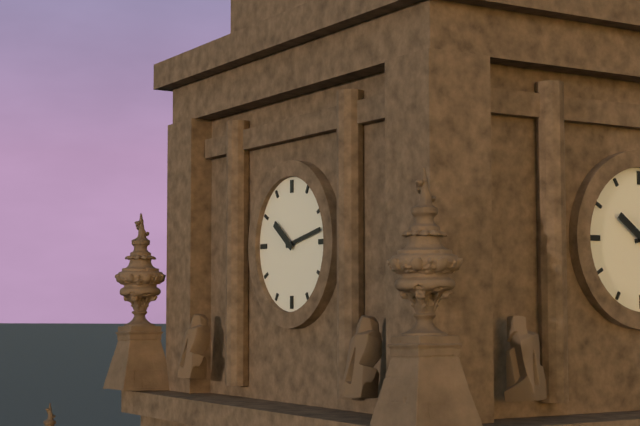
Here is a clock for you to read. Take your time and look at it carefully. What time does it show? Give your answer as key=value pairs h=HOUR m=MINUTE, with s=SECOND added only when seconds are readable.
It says h=10 m=13
